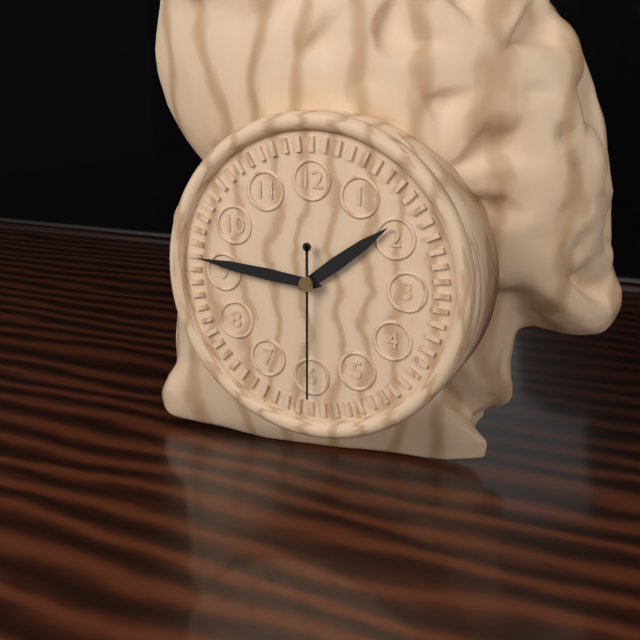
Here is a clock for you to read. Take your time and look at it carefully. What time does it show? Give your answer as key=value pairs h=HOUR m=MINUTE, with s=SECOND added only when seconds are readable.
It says h=1 m=46 s=30
